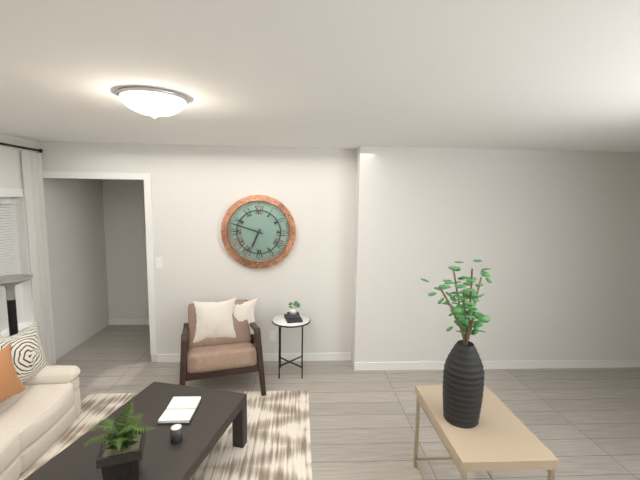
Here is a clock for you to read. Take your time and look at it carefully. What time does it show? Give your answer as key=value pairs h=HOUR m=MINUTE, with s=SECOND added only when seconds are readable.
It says h=6 m=48
